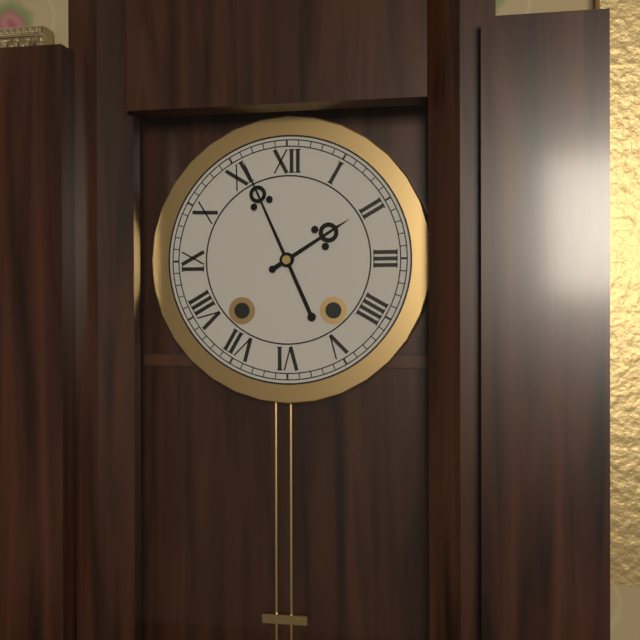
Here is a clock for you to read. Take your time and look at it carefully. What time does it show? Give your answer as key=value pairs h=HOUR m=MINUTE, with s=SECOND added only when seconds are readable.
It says h=1 m=56
